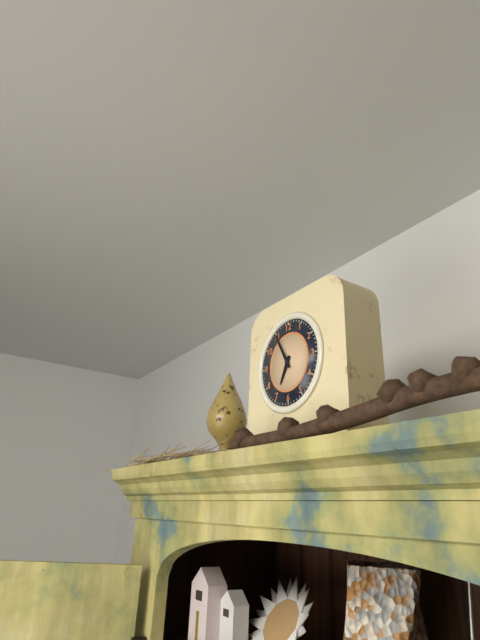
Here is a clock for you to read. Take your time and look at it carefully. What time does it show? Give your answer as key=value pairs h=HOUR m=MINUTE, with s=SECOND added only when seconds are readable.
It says h=6 m=55
